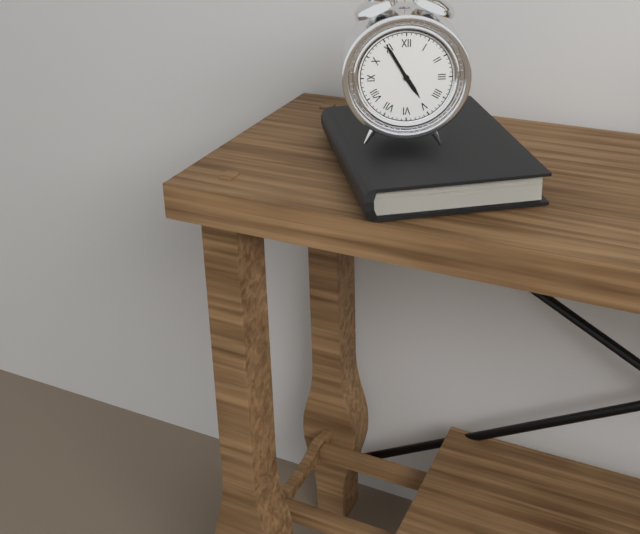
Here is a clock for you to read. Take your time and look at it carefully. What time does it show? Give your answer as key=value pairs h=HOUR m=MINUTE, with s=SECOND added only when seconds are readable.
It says h=4 m=55
